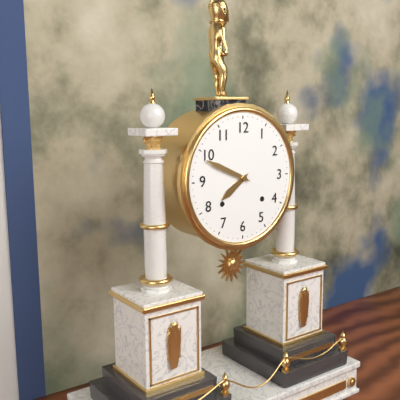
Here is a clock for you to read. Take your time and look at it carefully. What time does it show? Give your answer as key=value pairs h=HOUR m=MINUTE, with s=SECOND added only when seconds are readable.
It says h=7 m=49
